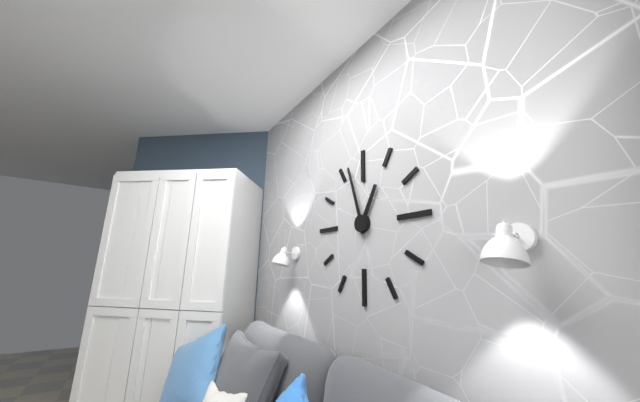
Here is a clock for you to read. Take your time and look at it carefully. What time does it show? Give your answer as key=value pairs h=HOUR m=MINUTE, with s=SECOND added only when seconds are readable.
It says h=12 m=57
